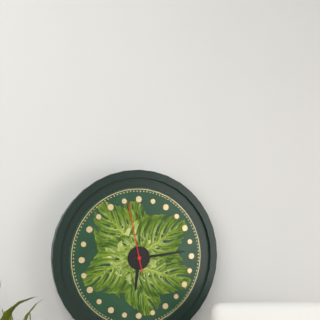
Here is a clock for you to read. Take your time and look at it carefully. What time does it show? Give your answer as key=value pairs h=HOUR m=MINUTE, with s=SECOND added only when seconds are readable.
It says h=6 m=14 s=58
